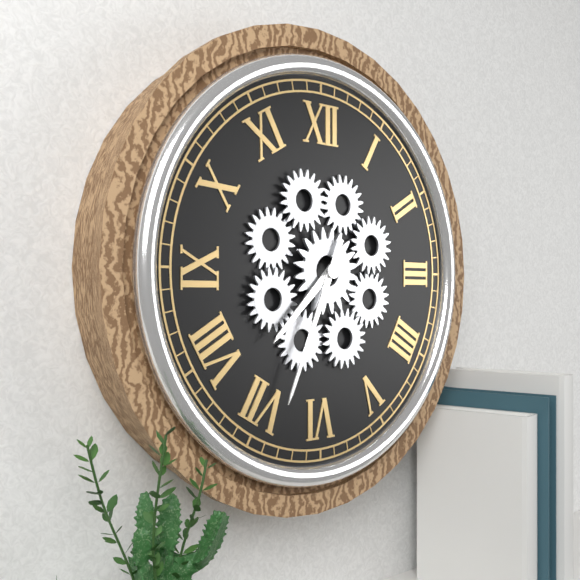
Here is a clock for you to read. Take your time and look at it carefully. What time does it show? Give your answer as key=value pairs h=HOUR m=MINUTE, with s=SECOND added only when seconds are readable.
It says h=7 m=34
